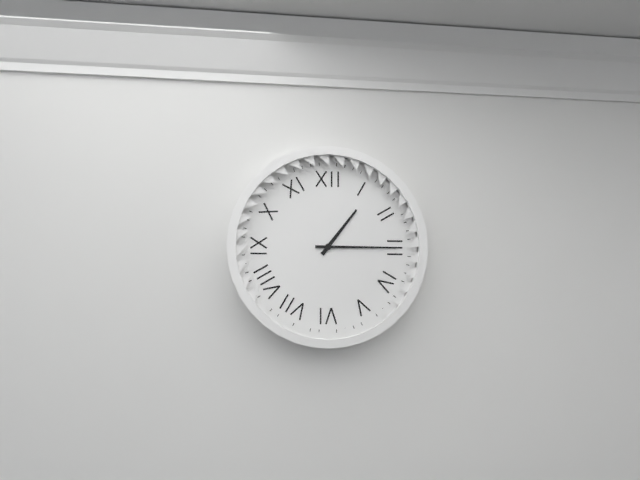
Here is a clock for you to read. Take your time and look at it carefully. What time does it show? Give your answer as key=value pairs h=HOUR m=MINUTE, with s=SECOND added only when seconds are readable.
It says h=1 m=15
